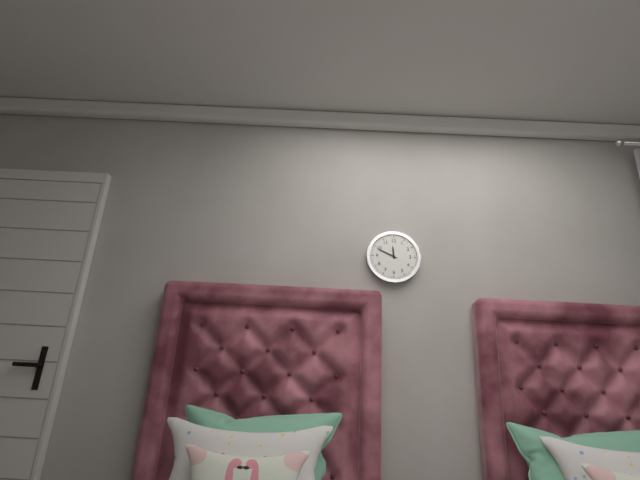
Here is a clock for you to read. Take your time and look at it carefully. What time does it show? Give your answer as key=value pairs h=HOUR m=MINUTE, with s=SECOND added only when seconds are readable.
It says h=11 m=49
